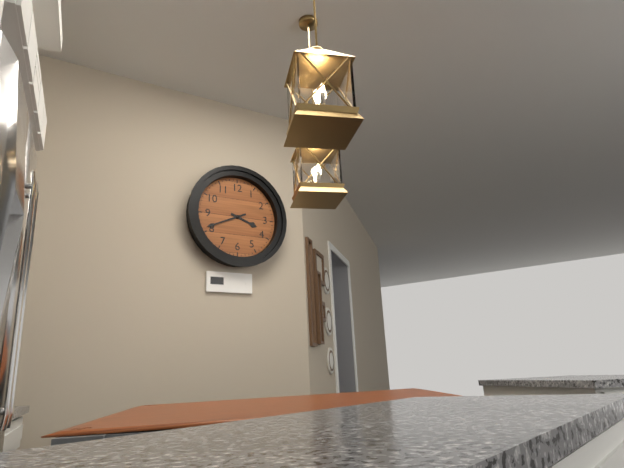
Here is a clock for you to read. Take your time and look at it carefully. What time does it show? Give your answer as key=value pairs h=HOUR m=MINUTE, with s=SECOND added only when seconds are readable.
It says h=3 m=41
